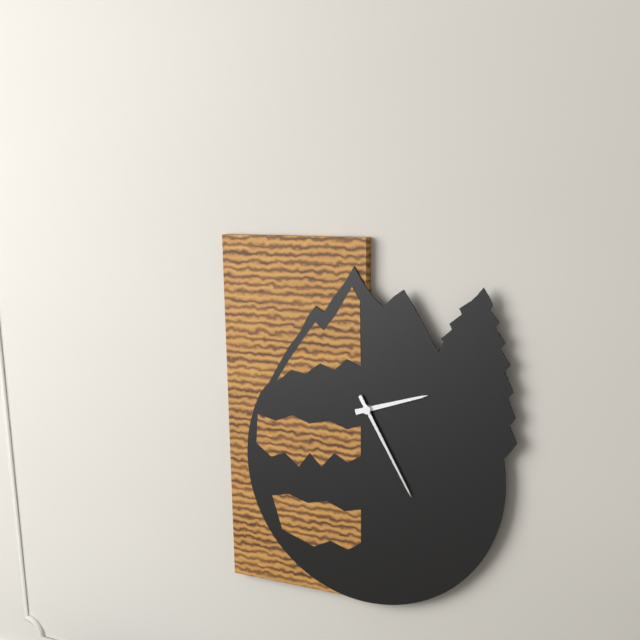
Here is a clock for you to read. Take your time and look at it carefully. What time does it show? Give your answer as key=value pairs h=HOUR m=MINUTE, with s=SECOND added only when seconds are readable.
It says h=2 m=25
